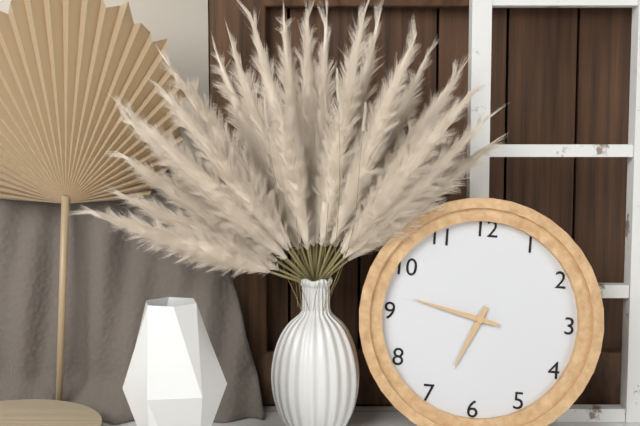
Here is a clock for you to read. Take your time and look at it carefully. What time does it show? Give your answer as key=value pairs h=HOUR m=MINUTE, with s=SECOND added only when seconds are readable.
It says h=6 m=47
